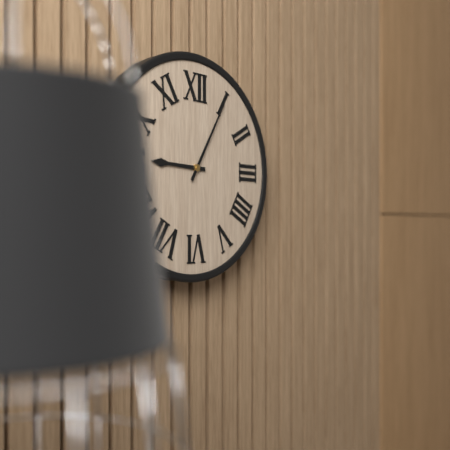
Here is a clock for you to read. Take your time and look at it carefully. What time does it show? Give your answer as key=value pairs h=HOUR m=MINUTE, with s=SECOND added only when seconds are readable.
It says h=9 m=5
